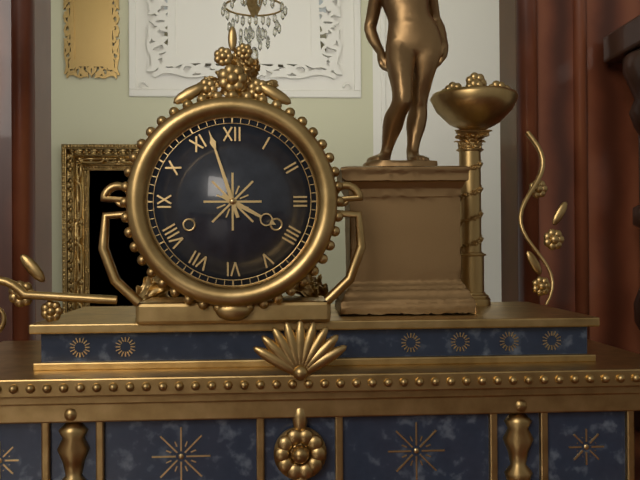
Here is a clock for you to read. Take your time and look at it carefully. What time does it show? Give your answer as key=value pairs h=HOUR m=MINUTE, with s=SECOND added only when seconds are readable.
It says h=3 m=57
